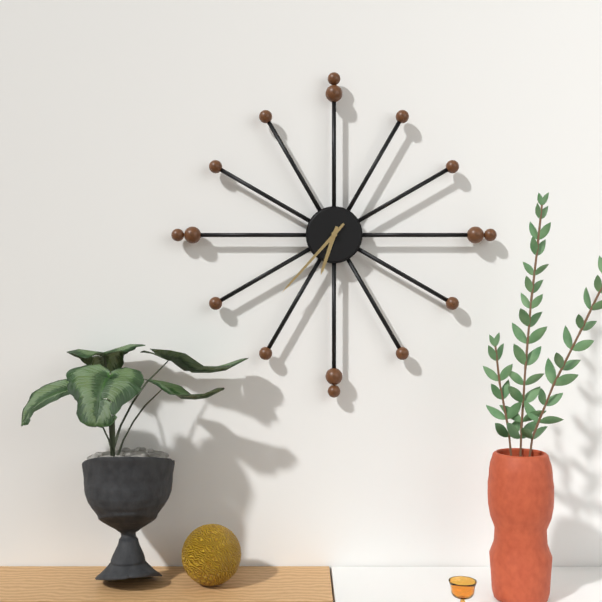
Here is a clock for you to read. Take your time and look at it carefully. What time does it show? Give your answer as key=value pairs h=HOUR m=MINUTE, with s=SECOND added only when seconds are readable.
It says h=6 m=37
